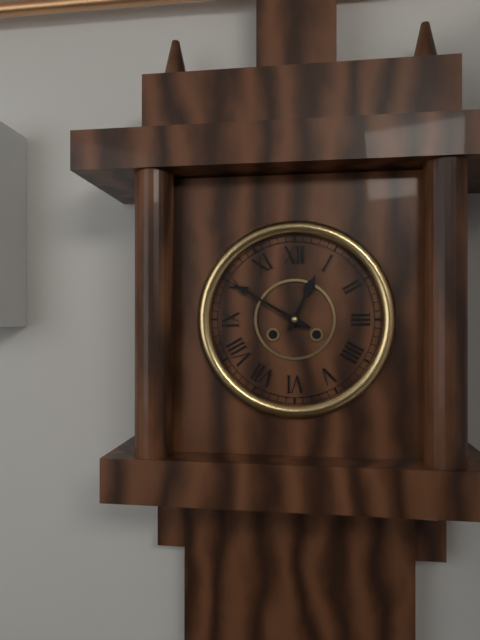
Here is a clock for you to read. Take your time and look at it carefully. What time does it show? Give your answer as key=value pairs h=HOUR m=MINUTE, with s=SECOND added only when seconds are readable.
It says h=12 m=50
